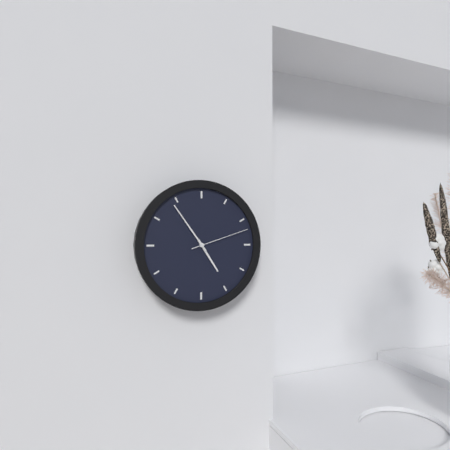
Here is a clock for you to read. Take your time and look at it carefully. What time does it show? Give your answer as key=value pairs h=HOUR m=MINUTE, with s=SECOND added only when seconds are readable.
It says h=4 m=54 s=12
